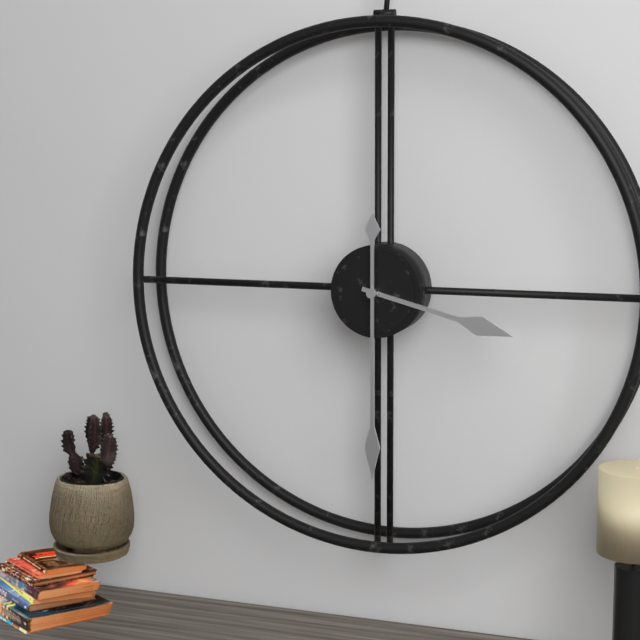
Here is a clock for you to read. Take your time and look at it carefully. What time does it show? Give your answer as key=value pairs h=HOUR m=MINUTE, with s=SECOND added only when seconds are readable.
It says h=3 m=30
